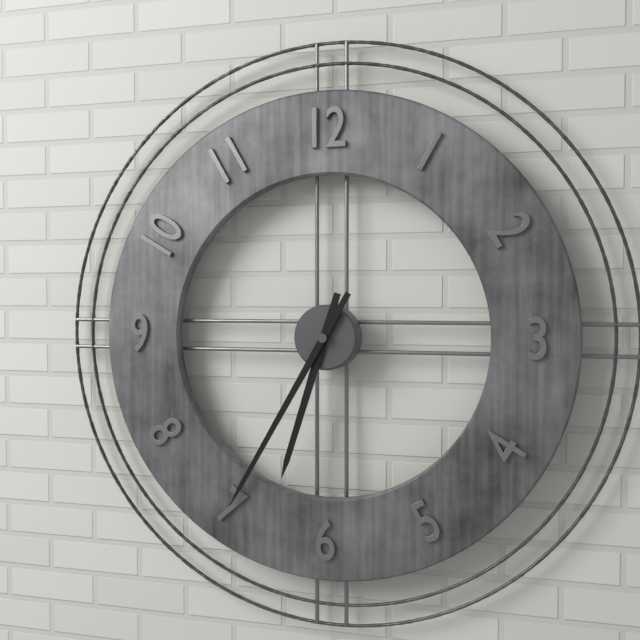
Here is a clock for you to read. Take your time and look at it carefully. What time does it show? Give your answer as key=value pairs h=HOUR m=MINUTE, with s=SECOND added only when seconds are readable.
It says h=6 m=35
